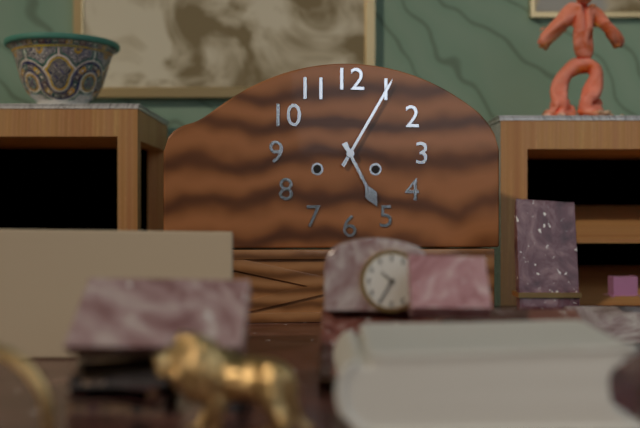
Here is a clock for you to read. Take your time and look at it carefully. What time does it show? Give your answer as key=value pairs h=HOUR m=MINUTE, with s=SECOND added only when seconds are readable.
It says h=5 m=5
